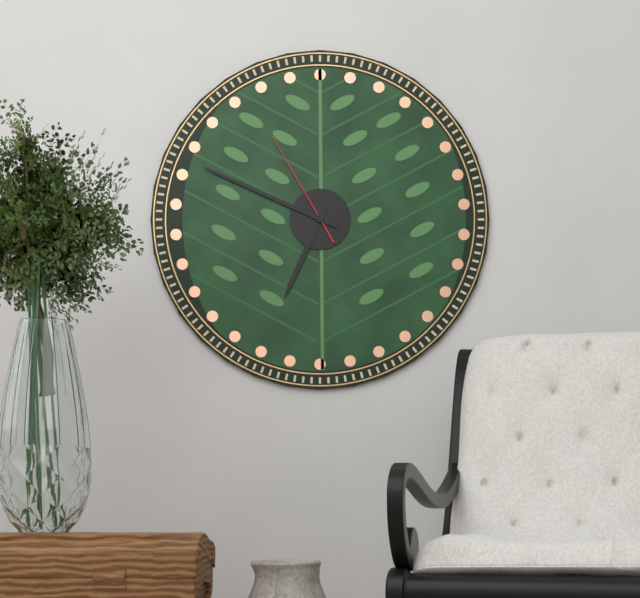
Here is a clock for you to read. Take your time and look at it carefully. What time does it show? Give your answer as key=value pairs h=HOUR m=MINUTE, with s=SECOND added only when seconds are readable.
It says h=6 m=49 s=55
